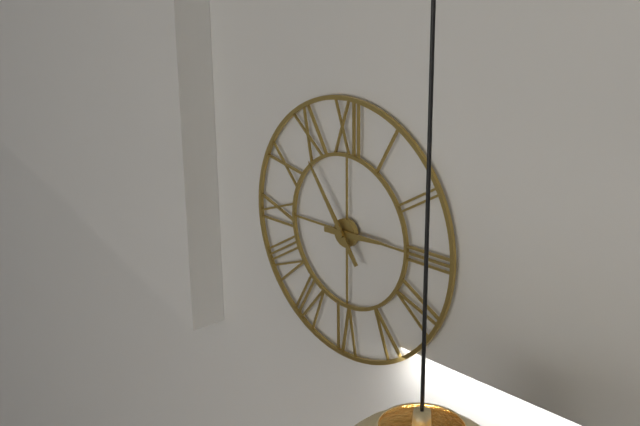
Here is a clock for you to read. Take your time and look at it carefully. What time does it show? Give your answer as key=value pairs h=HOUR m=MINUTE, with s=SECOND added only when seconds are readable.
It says h=2 m=54
